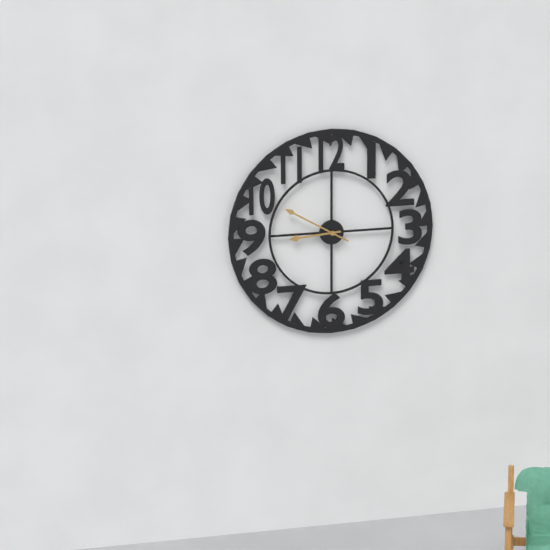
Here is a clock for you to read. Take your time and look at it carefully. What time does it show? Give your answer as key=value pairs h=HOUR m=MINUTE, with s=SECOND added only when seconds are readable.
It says h=8 m=50
